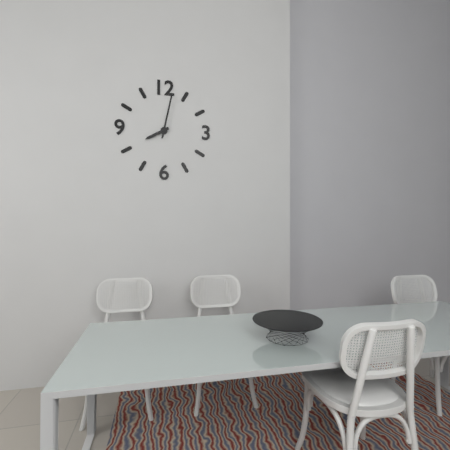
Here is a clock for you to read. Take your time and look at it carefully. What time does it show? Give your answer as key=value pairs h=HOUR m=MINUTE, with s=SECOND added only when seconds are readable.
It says h=8 m=2
